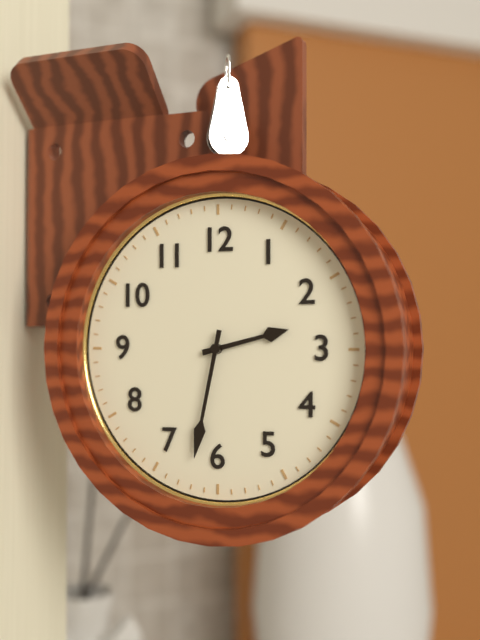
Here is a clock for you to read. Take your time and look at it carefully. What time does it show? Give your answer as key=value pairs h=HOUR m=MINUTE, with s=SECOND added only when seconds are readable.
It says h=2 m=32
